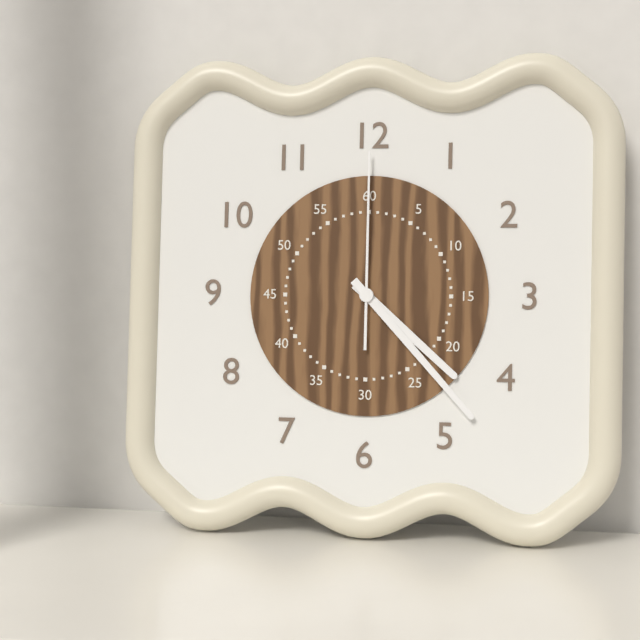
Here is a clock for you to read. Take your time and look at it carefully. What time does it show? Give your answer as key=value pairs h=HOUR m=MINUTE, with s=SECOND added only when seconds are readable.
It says h=4 m=23 s=0
